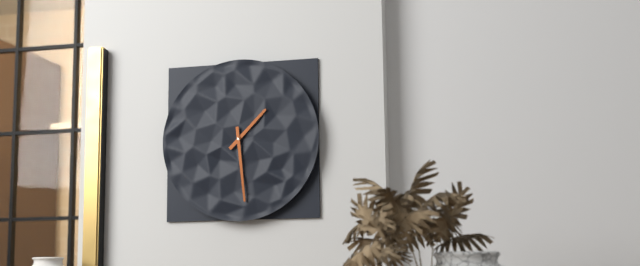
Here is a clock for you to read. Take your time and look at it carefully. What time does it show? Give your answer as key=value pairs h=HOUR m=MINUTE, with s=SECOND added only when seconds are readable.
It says h=1 m=29
